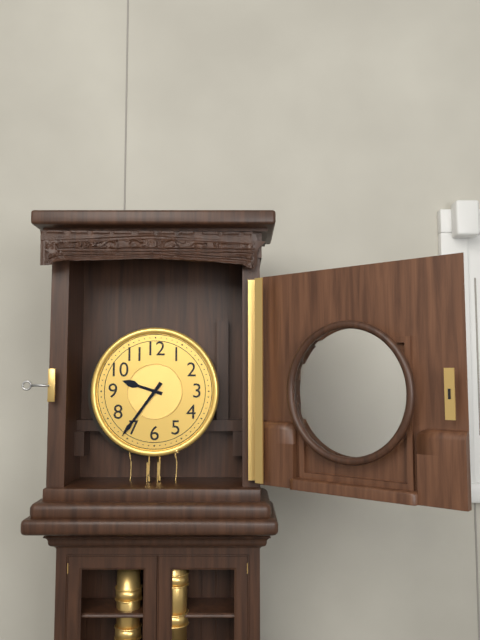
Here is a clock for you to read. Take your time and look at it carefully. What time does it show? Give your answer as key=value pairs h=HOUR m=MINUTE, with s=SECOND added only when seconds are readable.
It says h=9 m=36
